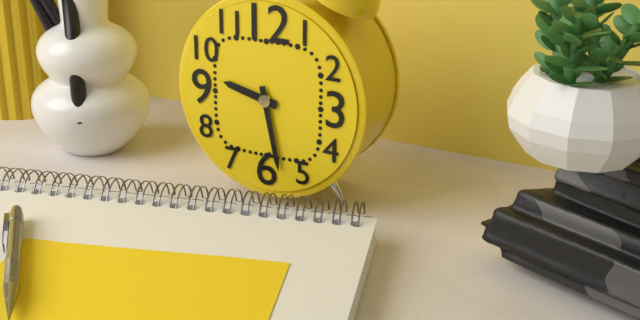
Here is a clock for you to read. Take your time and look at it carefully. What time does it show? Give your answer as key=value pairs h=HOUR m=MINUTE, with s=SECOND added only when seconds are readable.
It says h=9 m=28
